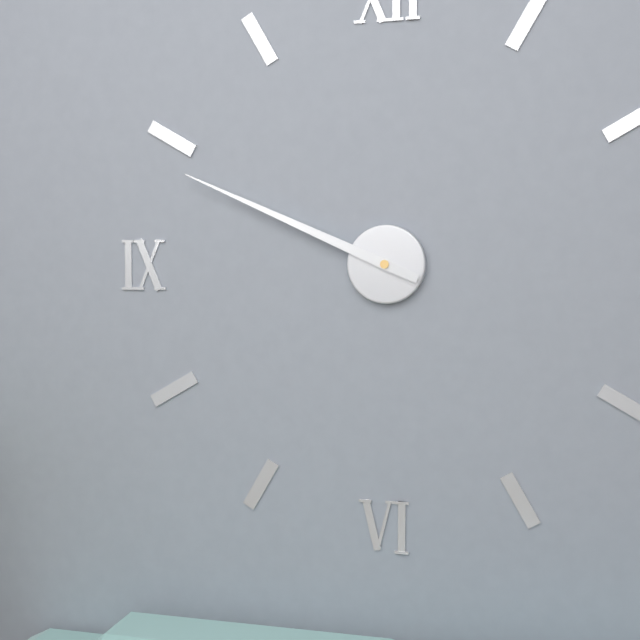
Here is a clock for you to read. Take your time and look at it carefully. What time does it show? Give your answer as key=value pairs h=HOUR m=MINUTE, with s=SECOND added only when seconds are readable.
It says h=9 m=49
